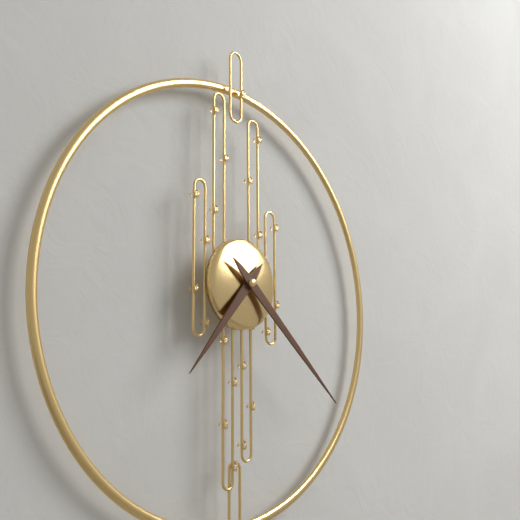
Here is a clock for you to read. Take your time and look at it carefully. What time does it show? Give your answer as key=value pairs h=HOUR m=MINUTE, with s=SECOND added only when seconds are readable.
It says h=7 m=22
